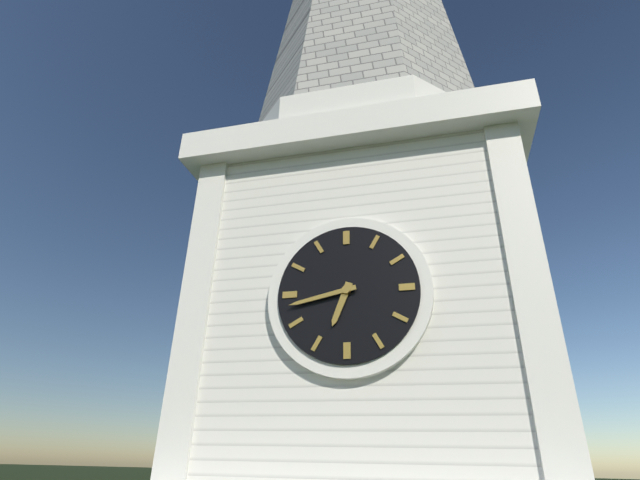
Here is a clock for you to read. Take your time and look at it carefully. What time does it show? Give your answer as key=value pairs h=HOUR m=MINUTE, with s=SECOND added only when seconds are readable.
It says h=6 m=43
